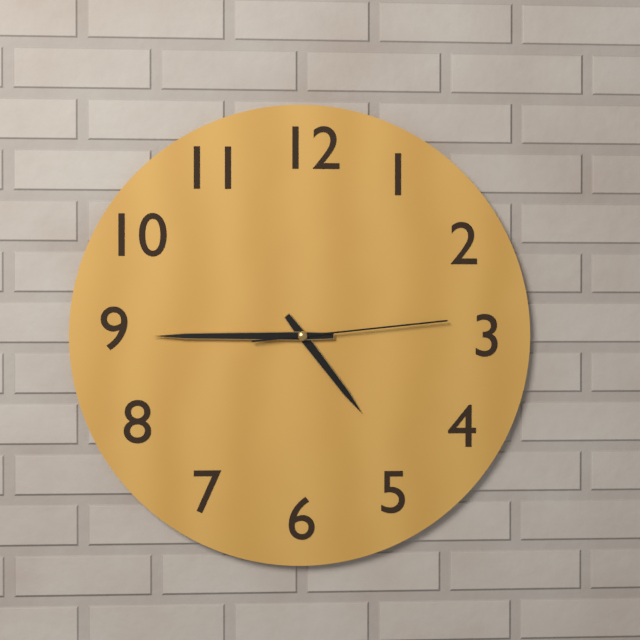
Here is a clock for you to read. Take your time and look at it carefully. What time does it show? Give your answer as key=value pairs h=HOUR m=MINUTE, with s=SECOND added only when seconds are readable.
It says h=4 m=45 s=14
